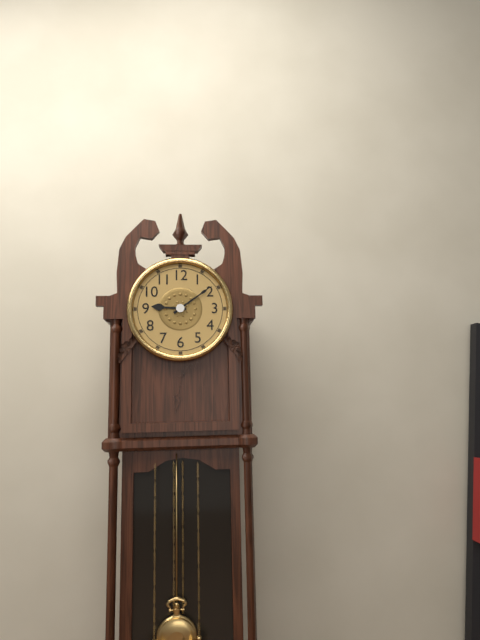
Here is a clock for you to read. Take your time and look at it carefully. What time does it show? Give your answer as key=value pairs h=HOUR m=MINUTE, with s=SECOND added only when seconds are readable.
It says h=9 m=9
